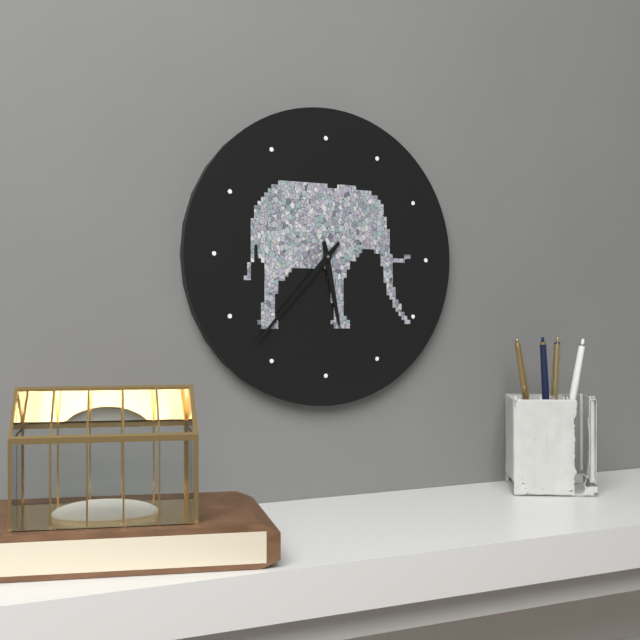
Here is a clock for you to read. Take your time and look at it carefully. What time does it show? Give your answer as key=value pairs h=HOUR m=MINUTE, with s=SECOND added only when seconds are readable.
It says h=5 m=37
